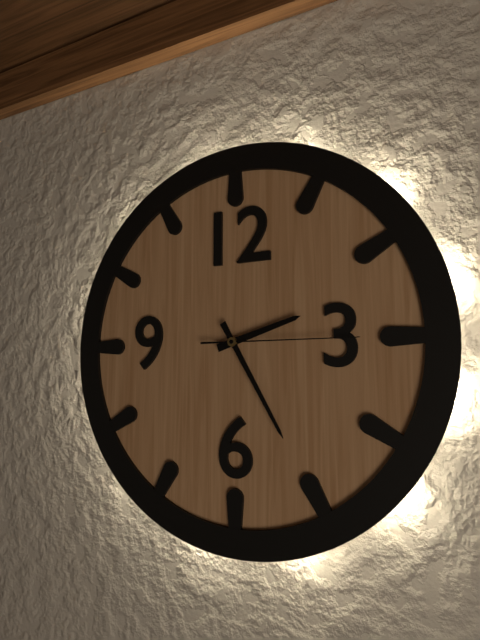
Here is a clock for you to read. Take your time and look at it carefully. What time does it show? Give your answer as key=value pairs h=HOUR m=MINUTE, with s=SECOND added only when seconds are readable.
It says h=2 m=25 s=15
